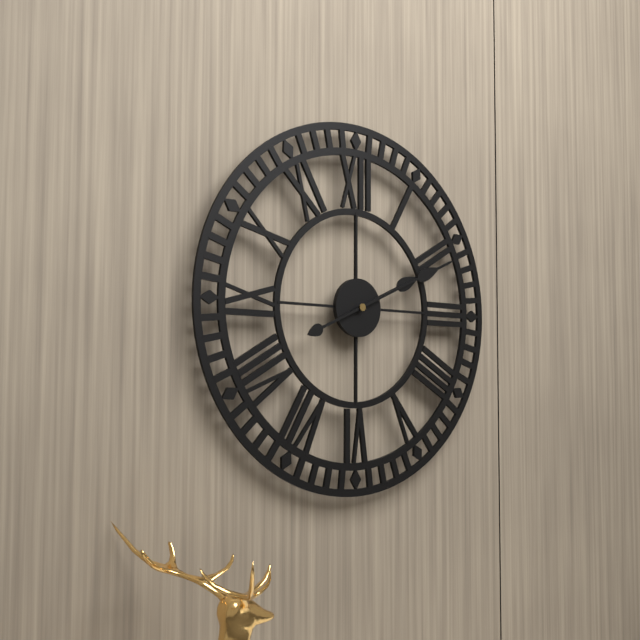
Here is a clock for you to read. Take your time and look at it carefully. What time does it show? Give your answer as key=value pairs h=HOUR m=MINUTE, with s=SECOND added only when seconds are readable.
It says h=2 m=11
